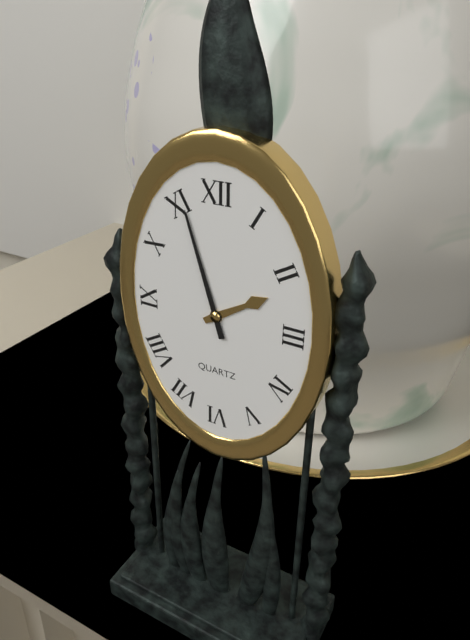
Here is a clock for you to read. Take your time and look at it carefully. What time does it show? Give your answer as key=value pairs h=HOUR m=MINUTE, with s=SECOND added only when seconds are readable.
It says h=1 m=57
